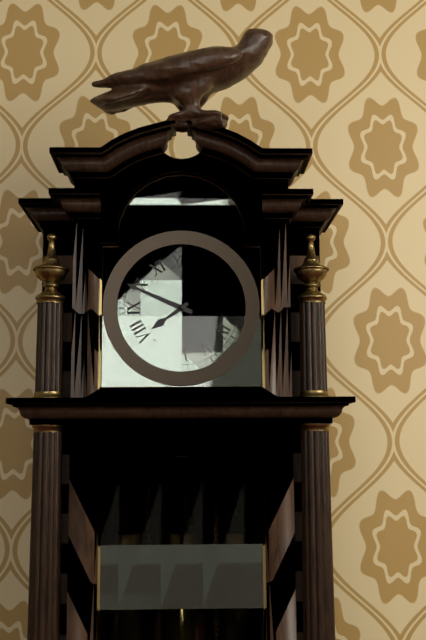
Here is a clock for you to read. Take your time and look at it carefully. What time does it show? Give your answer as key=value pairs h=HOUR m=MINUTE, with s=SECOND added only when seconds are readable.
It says h=7 m=49
